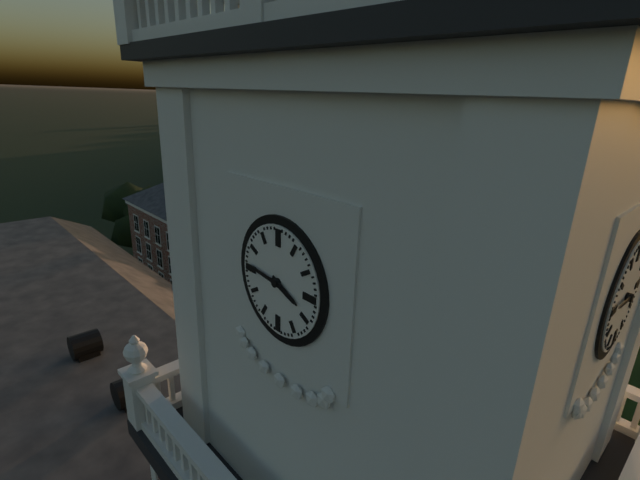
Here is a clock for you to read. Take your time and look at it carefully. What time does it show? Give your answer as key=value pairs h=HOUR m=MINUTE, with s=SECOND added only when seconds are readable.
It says h=3 m=46
